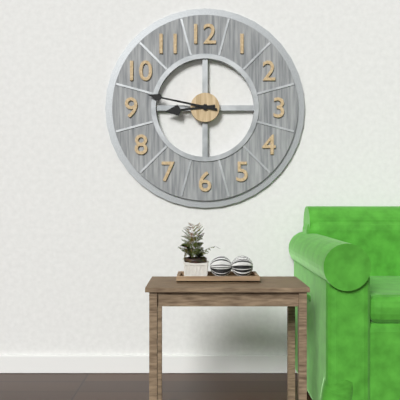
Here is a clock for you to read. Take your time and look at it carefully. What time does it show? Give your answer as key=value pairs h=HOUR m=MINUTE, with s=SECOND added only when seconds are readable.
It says h=8 m=47
